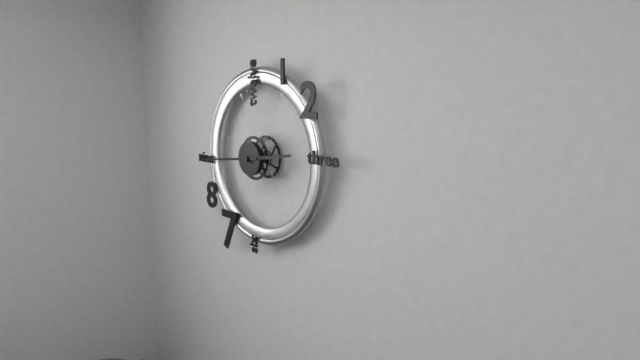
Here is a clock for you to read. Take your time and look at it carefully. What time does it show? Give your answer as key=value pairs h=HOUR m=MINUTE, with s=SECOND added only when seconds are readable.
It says h=2 m=44
